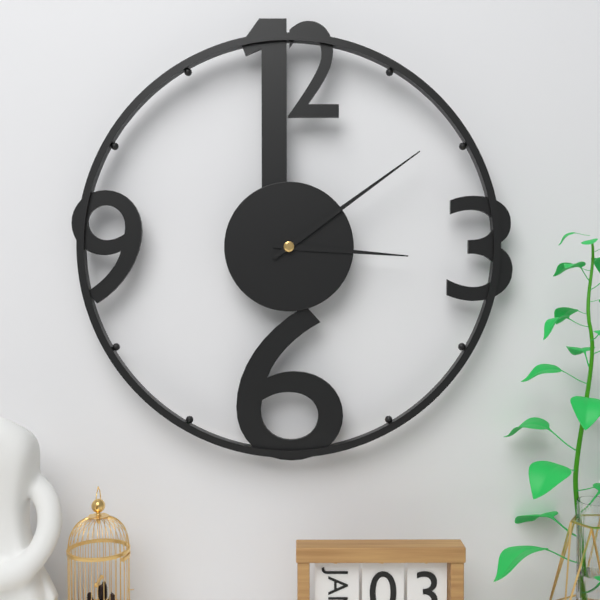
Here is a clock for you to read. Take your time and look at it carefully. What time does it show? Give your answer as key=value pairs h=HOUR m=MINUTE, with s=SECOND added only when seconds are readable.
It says h=3 m=9
